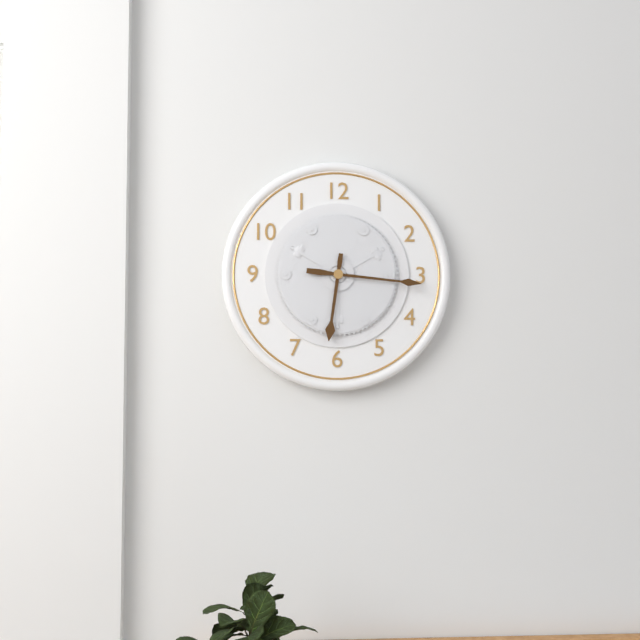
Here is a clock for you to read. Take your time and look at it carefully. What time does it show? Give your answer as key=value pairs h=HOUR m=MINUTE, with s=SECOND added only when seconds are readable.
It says h=6 m=16
